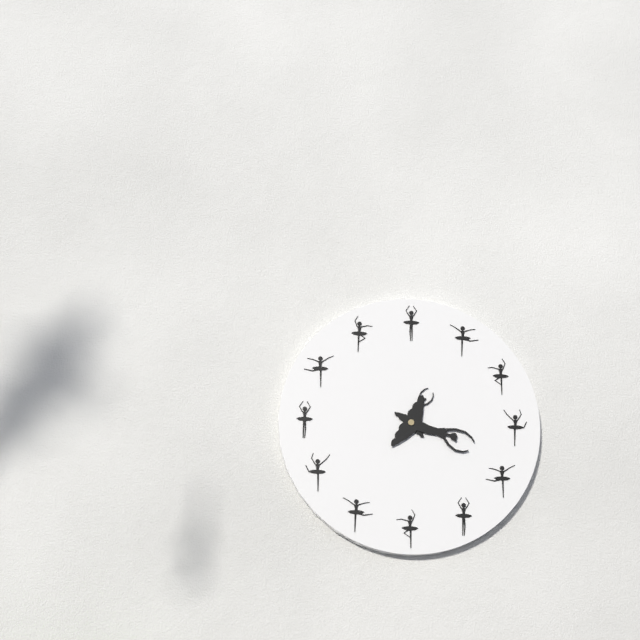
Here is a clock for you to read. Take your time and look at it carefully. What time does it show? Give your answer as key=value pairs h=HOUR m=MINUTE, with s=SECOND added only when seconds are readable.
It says h=1 m=20
